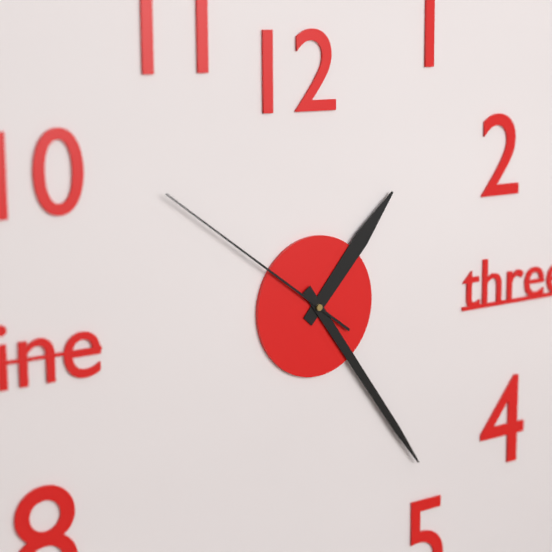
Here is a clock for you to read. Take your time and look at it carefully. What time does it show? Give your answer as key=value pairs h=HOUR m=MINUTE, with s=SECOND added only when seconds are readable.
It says h=1 m=24 s=51
